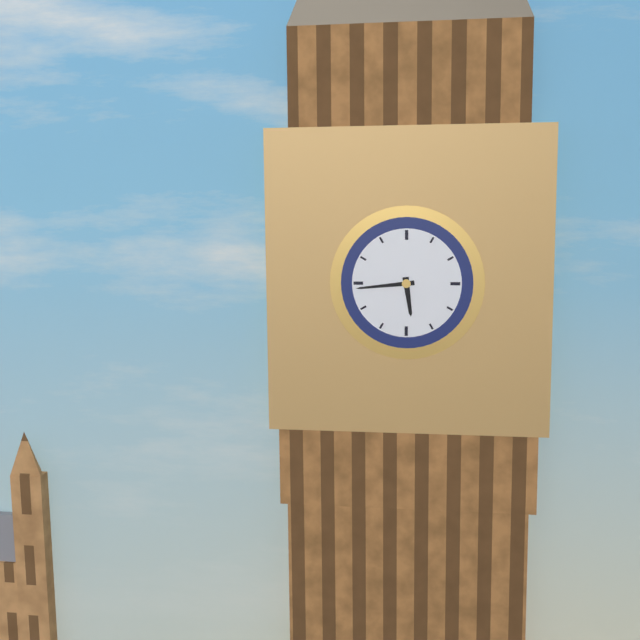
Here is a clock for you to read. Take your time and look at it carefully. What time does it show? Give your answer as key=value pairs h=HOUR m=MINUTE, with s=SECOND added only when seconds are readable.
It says h=5 m=44
